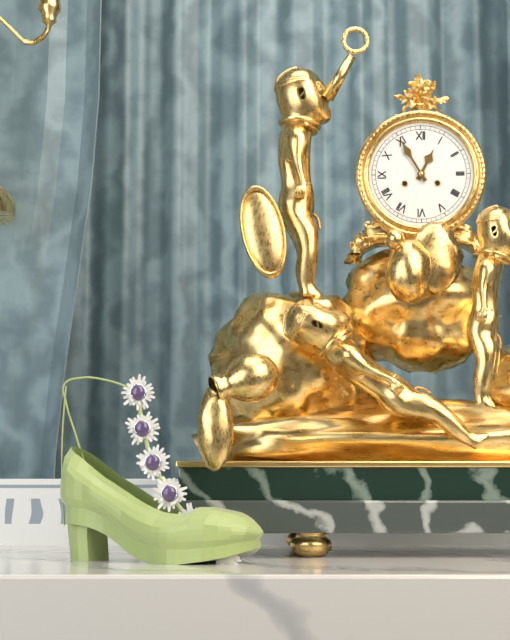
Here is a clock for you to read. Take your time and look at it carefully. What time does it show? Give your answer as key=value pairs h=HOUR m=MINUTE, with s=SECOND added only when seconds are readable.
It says h=12 m=55
